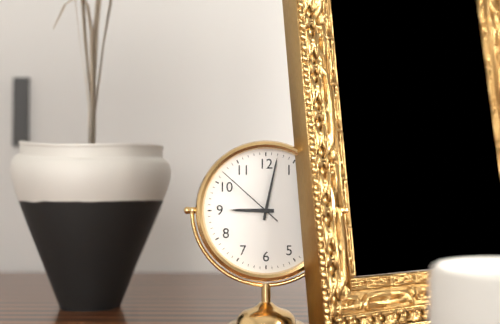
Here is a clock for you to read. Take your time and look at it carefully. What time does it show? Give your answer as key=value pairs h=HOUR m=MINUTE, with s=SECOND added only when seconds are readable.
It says h=9 m=2 s=52
